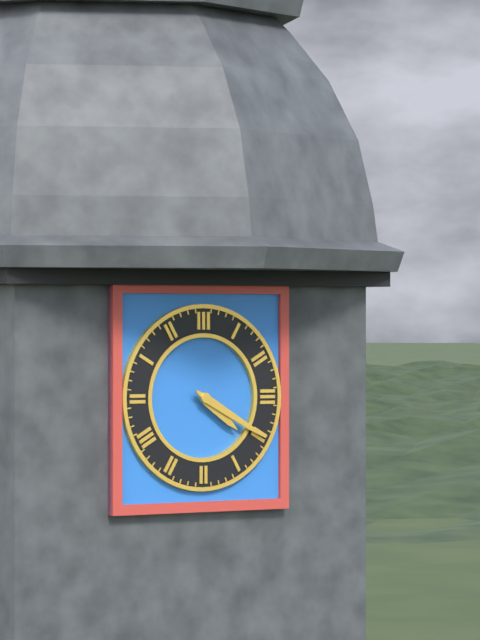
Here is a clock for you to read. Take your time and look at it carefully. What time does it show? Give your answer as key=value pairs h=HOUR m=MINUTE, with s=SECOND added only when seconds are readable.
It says h=4 m=20
